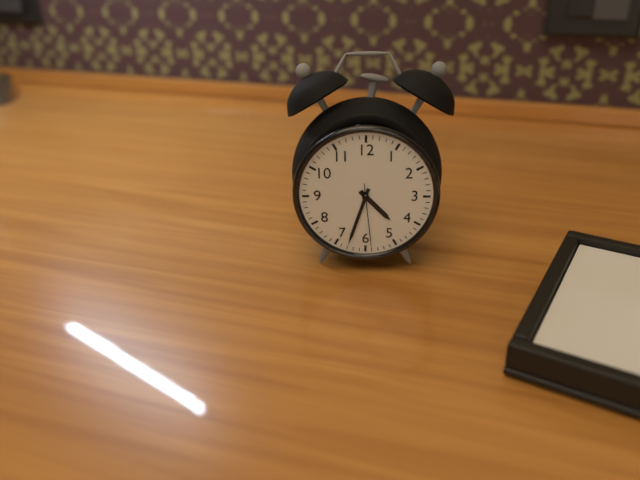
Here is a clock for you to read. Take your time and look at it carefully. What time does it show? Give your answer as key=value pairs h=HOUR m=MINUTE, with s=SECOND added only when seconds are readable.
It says h=4 m=33 s=29
